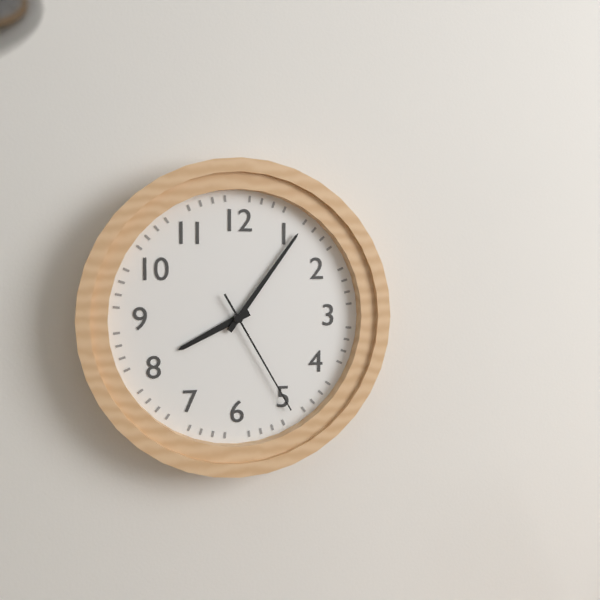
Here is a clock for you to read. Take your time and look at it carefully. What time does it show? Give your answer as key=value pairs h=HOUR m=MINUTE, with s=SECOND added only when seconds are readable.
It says h=8 m=6 s=25
